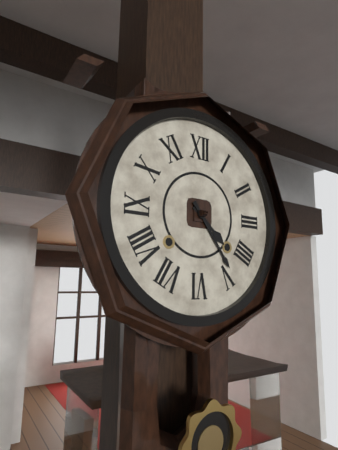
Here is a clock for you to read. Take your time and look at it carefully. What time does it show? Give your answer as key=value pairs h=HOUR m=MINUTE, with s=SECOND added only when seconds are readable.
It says h=4 m=24
